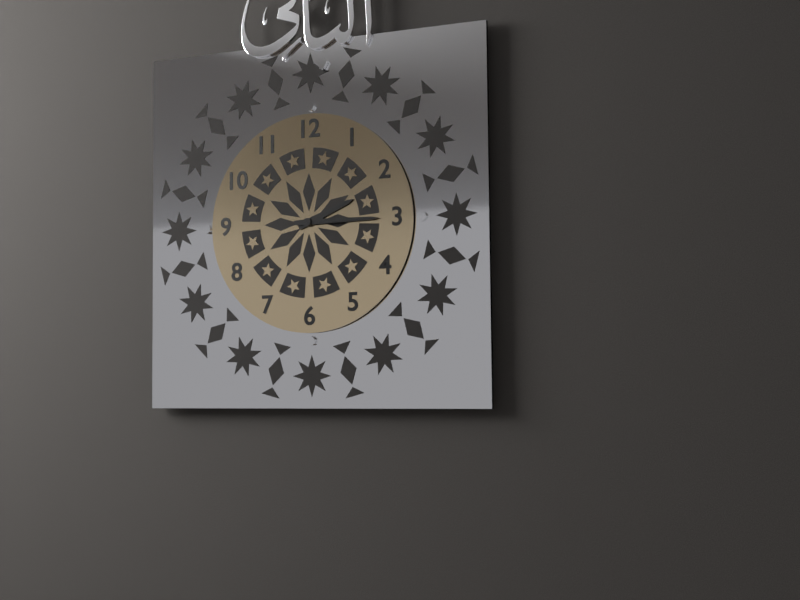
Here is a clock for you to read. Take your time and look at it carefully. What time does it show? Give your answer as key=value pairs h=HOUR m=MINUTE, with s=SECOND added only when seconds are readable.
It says h=2 m=15
